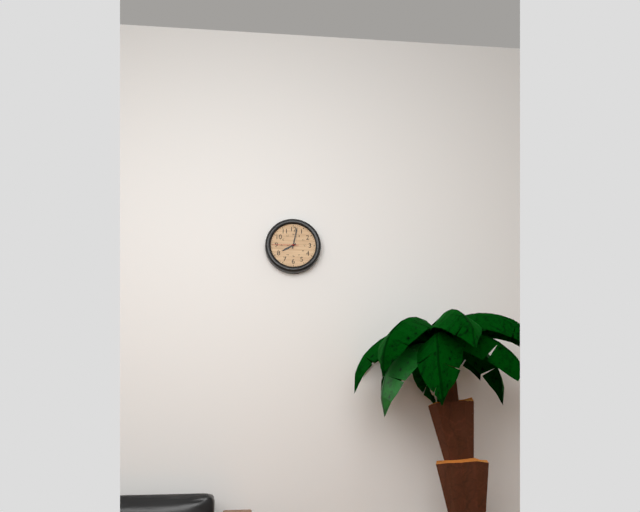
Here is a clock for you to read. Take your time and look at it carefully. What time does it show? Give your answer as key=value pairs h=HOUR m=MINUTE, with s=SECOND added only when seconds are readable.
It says h=8 m=2
